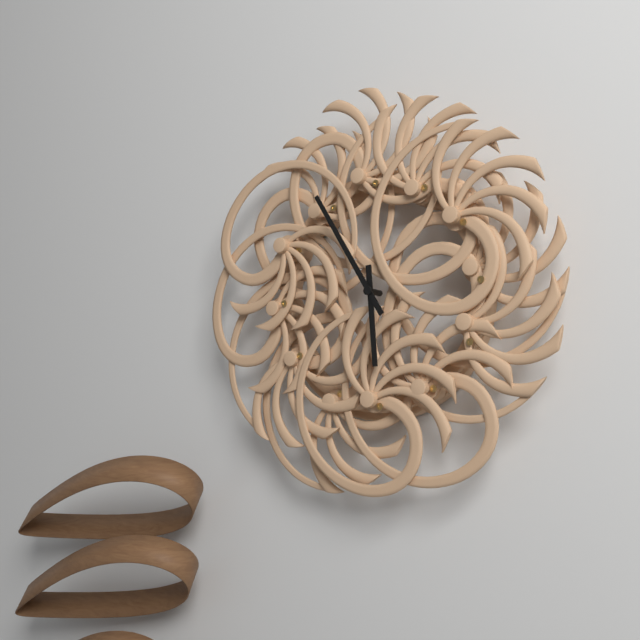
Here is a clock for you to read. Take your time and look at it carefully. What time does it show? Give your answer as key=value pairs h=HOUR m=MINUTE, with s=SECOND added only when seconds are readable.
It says h=5 m=55
